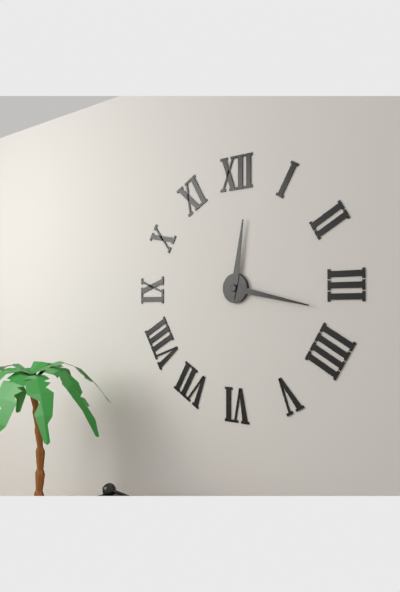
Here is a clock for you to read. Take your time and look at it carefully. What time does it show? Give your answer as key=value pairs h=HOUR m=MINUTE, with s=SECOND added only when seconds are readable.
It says h=12 m=17
